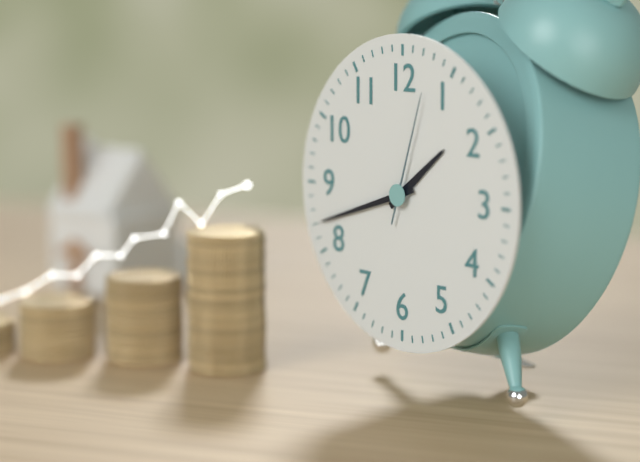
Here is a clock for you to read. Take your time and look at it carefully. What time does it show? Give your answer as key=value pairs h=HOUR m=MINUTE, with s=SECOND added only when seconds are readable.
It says h=1 m=42 s=3
